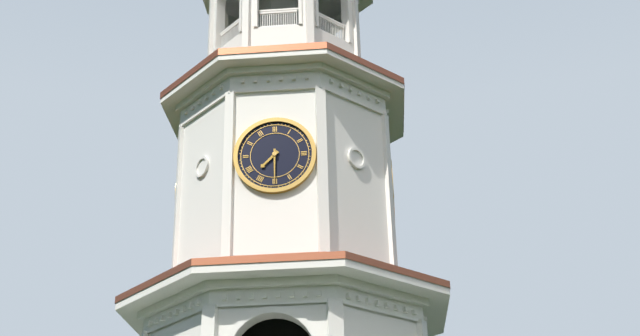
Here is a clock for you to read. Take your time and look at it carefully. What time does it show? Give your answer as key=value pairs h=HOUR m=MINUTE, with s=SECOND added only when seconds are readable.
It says h=7 m=30
